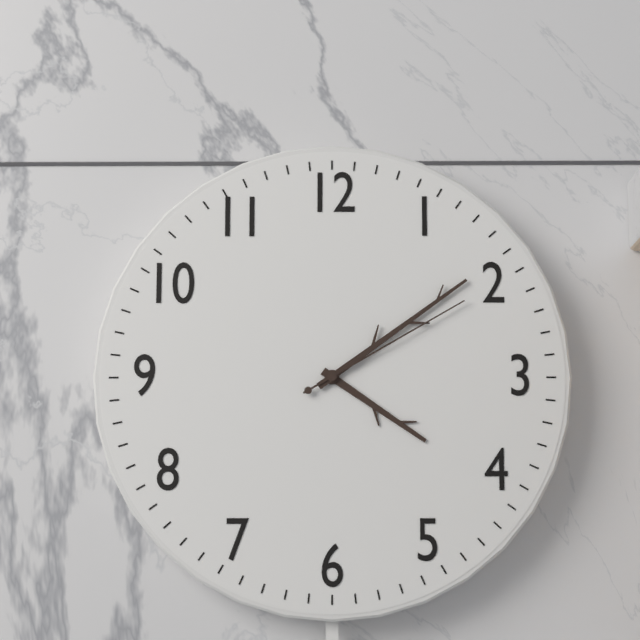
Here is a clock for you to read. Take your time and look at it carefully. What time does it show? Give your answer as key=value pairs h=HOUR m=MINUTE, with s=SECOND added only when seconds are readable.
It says h=4 m=9 s=10
